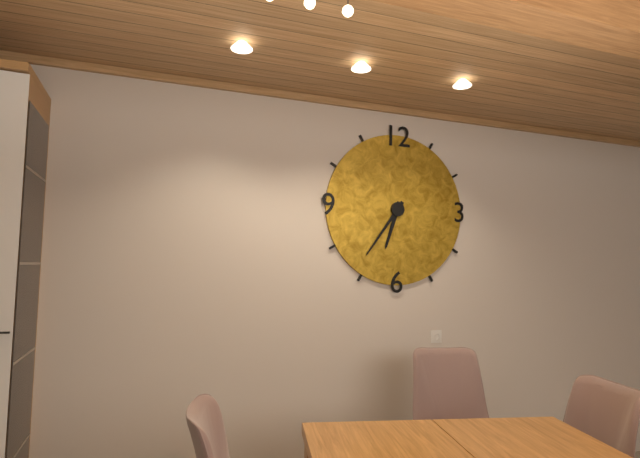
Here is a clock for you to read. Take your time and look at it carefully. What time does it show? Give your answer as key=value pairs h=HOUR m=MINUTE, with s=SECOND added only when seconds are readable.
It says h=6 m=36
